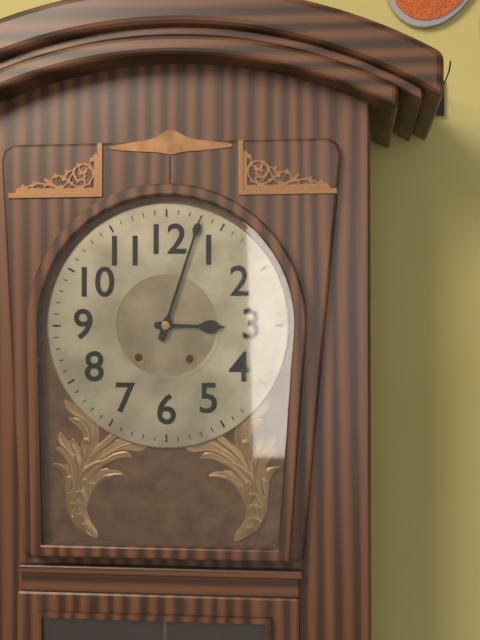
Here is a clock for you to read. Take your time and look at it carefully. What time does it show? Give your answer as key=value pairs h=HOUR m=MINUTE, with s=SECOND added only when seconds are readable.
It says h=3 m=3
